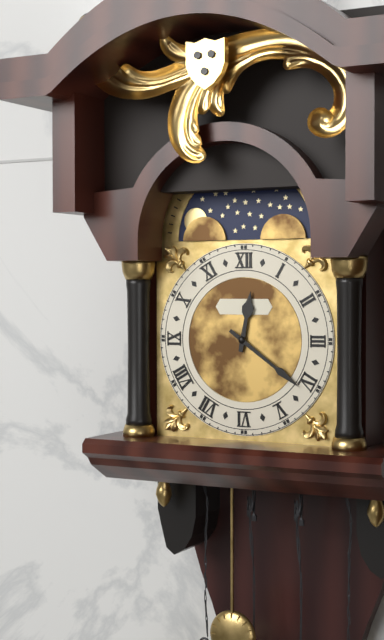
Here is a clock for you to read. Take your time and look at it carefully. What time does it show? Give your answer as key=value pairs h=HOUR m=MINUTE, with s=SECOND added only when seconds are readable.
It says h=12 m=21
